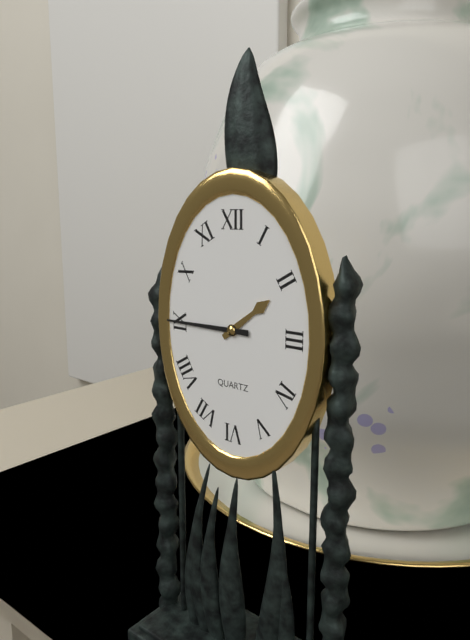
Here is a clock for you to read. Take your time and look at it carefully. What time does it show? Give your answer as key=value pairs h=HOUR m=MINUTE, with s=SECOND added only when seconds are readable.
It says h=1 m=45
